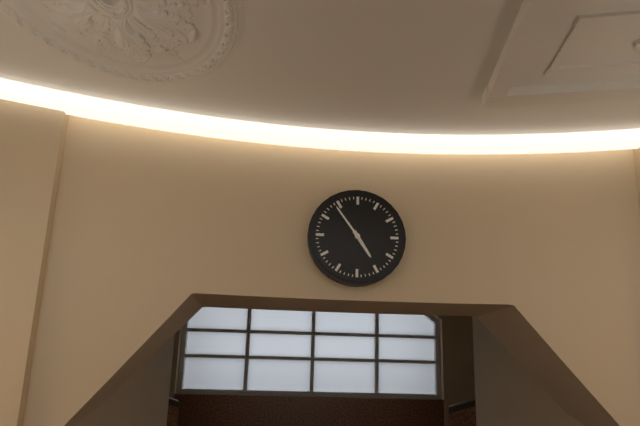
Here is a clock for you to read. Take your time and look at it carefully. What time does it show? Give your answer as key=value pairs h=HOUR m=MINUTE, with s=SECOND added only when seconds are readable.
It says h=4 m=54
